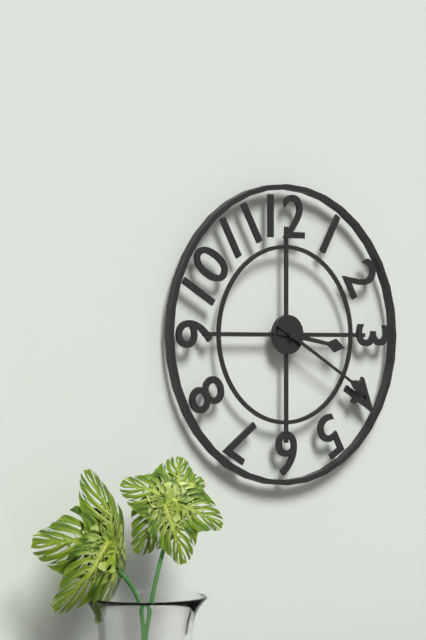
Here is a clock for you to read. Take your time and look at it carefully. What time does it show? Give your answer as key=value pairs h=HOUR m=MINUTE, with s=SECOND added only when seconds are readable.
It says h=3 m=20
